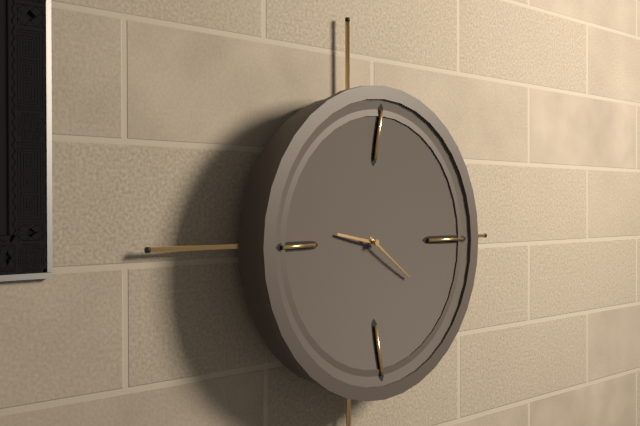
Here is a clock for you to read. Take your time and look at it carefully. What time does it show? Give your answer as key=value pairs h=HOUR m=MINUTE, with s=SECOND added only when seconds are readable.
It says h=9 m=21
